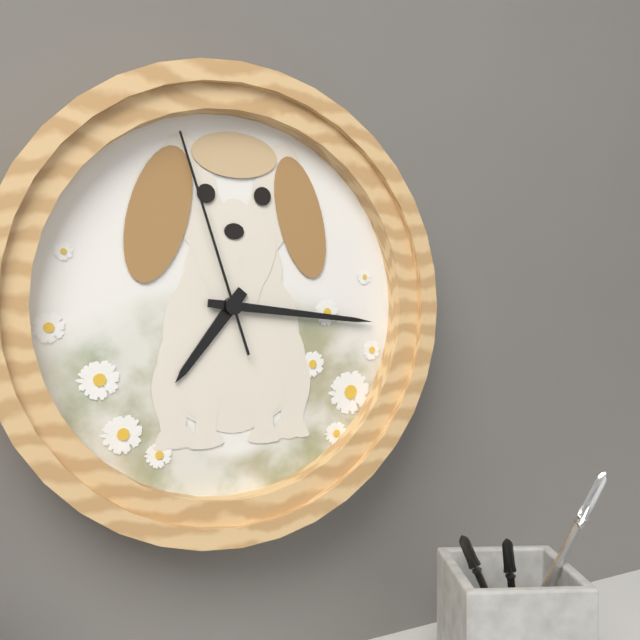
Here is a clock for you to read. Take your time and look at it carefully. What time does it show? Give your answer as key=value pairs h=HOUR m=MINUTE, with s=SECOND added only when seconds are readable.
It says h=7 m=16 s=57
